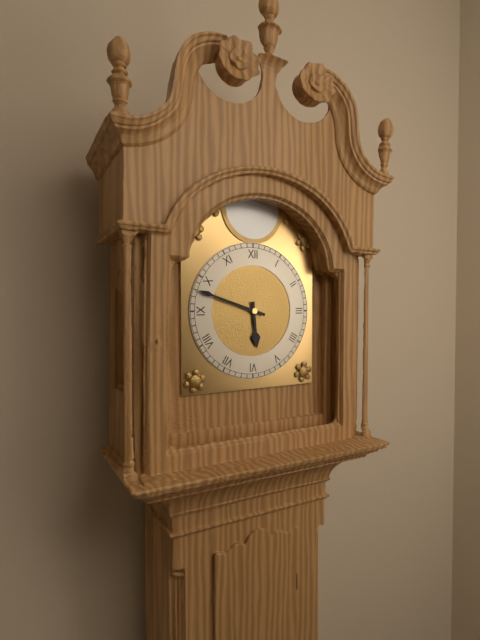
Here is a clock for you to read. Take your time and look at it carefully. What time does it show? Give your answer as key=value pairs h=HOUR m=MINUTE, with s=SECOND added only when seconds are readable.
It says h=5 m=48
